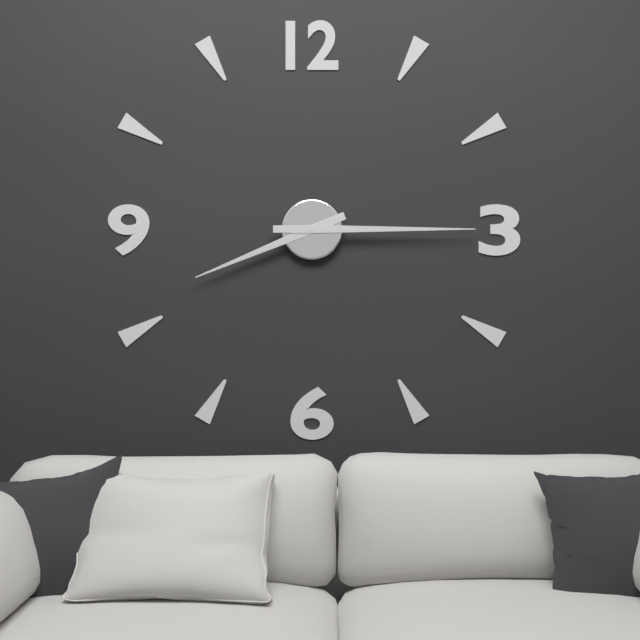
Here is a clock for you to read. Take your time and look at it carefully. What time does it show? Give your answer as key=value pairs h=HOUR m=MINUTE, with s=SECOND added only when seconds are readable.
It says h=8 m=15
